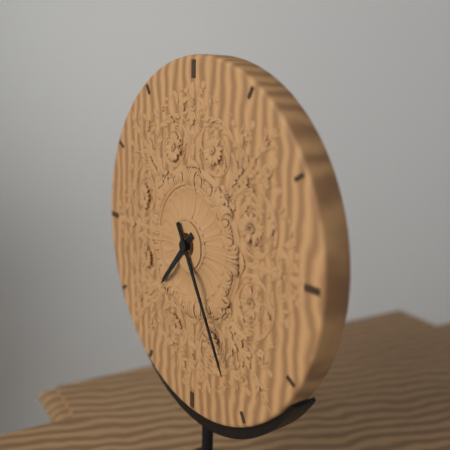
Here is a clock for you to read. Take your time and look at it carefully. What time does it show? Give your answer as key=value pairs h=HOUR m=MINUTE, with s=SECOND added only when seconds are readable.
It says h=7 m=25
